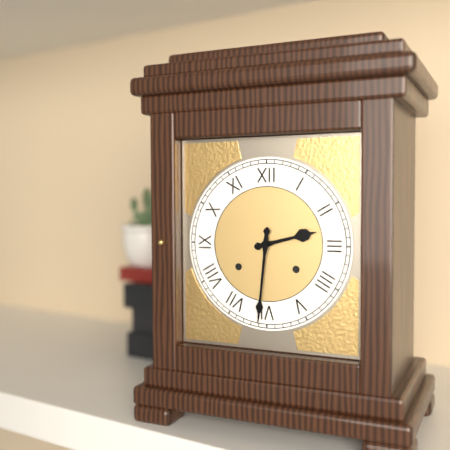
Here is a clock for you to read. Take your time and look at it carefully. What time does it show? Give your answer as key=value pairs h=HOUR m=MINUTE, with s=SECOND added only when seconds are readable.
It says h=2 m=31
